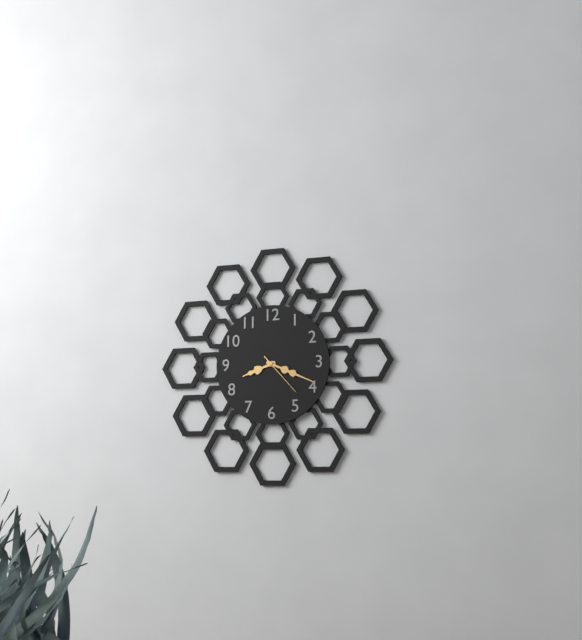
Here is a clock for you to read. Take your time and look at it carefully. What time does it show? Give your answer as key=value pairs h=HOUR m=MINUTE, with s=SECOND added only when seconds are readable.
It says h=8 m=19
